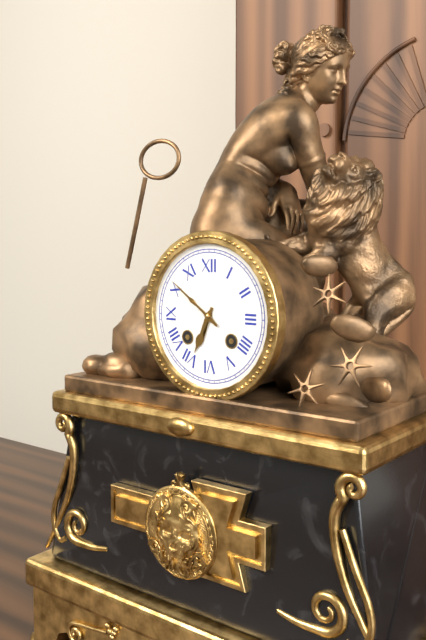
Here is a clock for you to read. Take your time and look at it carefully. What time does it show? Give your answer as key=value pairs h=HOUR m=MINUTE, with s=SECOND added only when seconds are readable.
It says h=6 m=51
